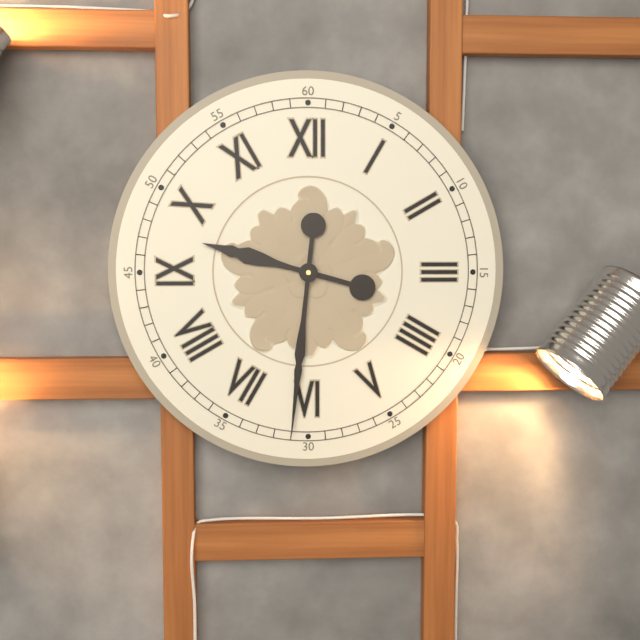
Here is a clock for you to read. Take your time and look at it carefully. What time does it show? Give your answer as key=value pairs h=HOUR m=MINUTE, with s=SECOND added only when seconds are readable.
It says h=9 m=31
